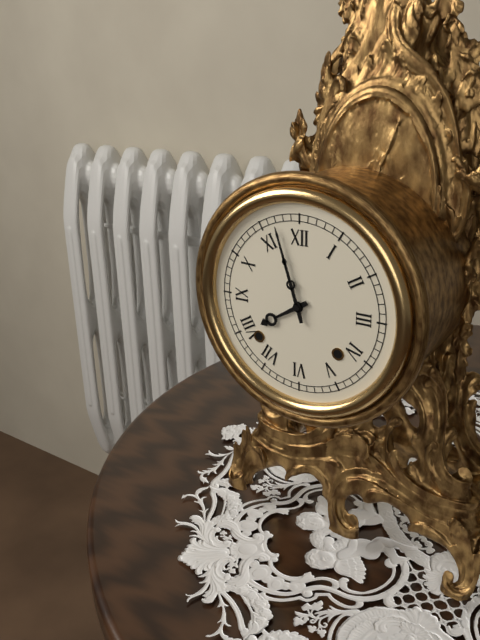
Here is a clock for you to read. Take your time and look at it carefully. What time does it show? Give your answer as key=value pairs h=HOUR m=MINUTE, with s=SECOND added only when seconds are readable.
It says h=7 m=57
